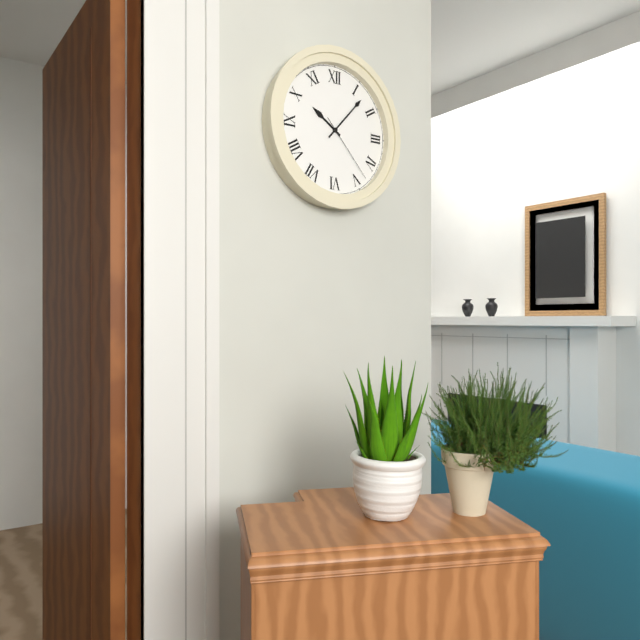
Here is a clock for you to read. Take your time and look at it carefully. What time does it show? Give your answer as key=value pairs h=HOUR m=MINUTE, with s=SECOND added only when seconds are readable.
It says h=10 m=7 s=23
